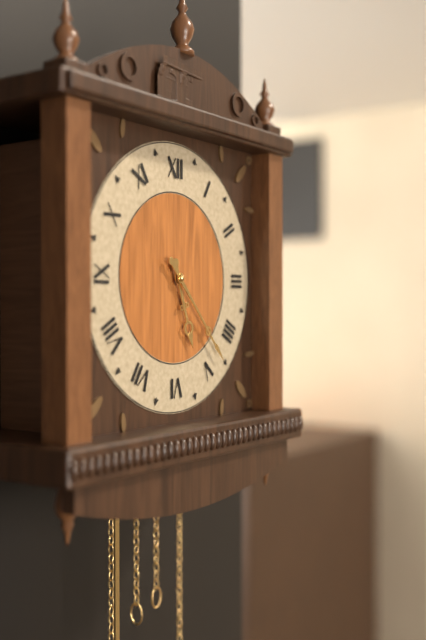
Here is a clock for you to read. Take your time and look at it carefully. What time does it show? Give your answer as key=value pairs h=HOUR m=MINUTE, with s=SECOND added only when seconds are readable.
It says h=5 m=23
